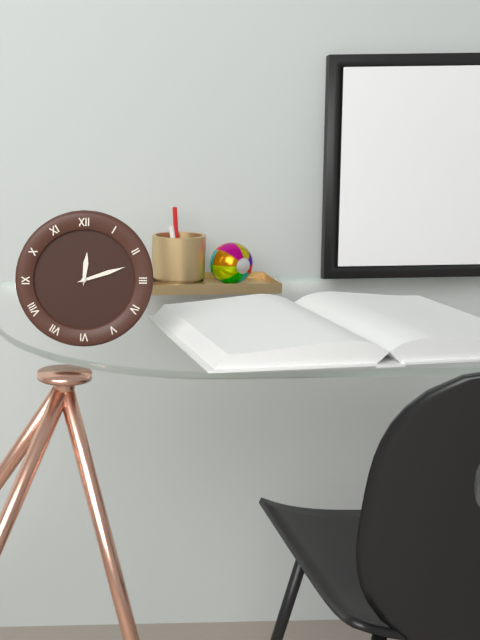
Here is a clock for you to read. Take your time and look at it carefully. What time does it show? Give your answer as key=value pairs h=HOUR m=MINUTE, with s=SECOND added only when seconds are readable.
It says h=12 m=12
